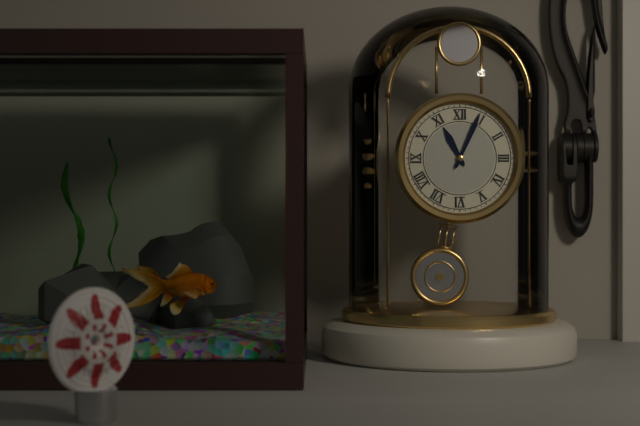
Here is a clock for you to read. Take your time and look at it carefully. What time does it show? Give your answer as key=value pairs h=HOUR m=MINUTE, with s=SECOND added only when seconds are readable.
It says h=11 m=4
